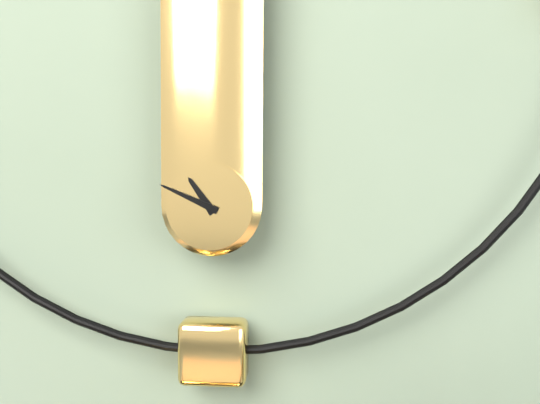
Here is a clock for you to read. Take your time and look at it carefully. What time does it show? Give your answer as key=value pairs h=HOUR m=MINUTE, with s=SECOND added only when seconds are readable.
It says h=10 m=49
